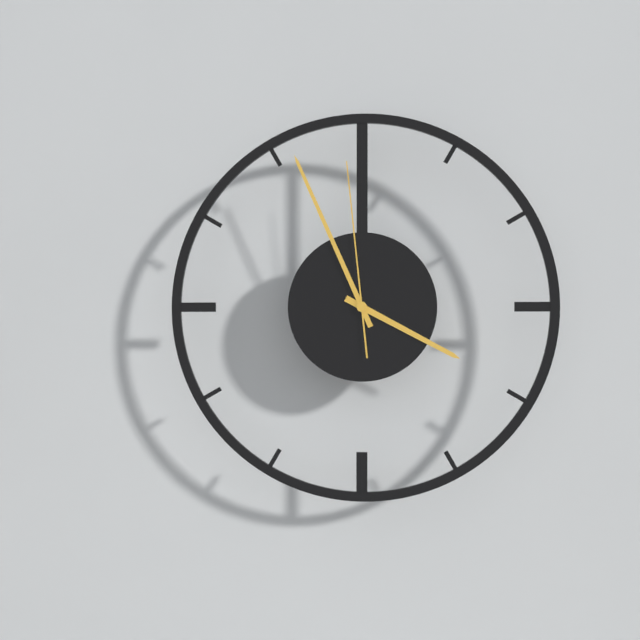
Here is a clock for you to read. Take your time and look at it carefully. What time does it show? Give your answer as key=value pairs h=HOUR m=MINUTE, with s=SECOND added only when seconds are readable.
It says h=3 m=56 s=59
